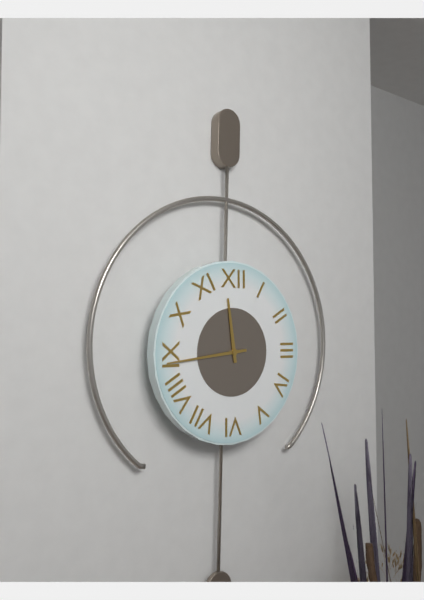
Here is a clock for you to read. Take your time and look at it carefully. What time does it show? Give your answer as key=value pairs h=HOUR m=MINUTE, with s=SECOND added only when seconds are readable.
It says h=11 m=44
